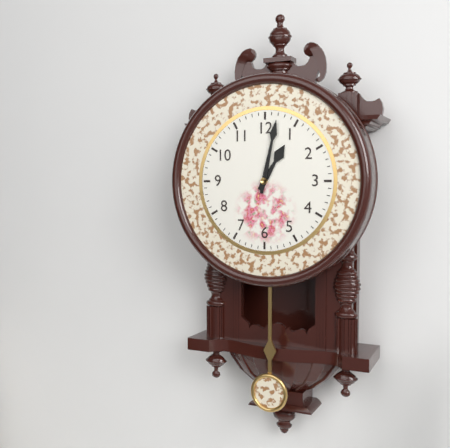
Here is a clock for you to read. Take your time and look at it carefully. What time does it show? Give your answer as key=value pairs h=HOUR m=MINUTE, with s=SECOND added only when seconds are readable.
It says h=1 m=2
